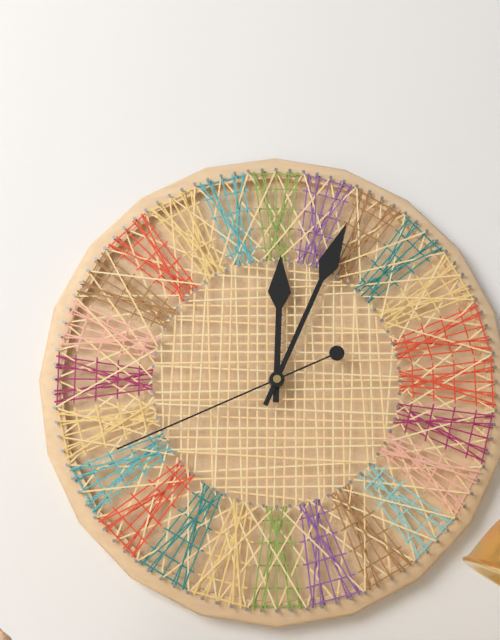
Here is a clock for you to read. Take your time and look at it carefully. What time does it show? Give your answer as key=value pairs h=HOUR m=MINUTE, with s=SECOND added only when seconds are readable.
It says h=12 m=4 s=41
